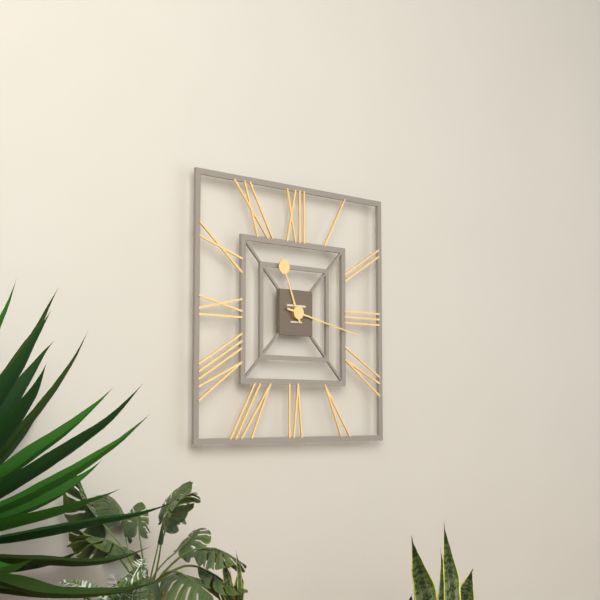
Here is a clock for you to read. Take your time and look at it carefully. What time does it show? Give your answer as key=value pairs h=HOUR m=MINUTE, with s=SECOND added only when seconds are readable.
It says h=11 m=17
